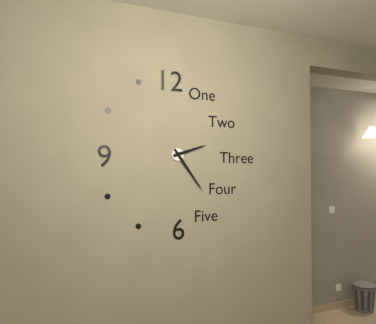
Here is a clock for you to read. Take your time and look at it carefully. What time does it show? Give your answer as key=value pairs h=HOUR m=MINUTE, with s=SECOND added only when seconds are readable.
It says h=2 m=24
